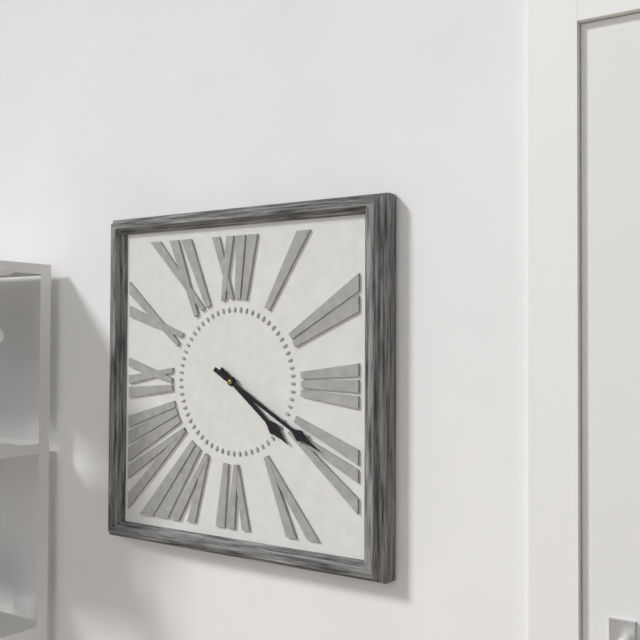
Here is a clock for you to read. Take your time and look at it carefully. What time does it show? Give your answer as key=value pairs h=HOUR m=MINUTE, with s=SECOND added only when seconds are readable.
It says h=4 m=20
